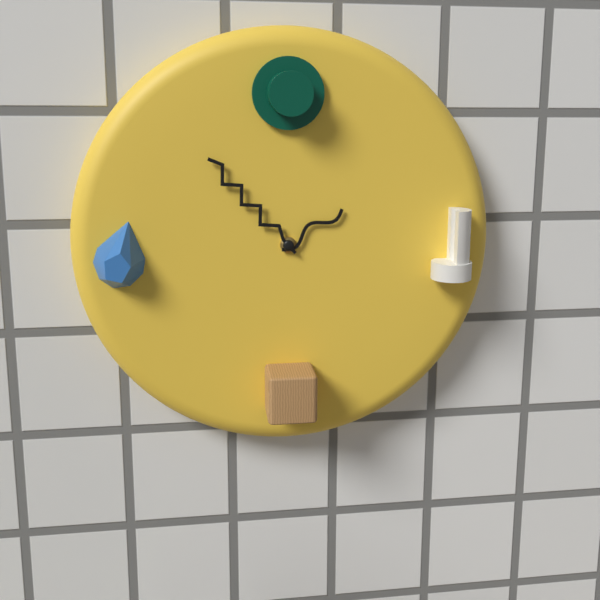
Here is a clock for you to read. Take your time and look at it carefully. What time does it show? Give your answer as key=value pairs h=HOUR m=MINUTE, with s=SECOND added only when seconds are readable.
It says h=1 m=53
